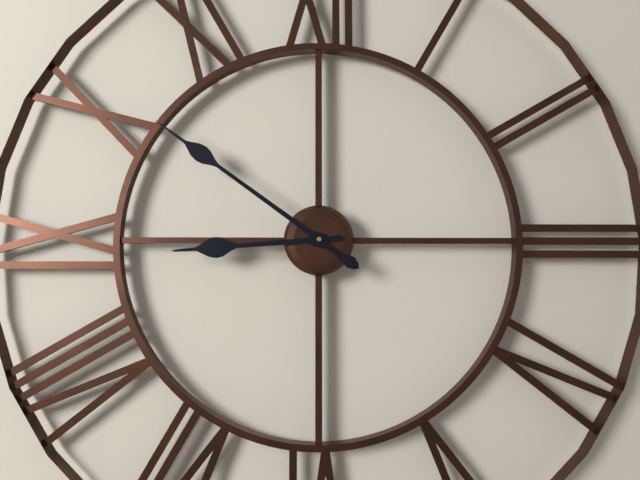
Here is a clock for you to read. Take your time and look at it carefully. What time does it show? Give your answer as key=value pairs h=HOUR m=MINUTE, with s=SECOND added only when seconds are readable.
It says h=8 m=51
